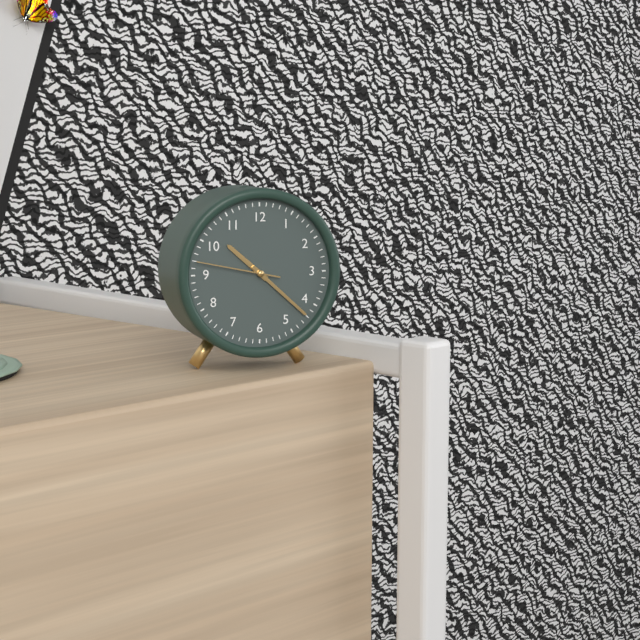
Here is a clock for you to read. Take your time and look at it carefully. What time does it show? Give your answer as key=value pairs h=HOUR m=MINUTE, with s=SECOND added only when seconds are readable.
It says h=10 m=22 s=47
